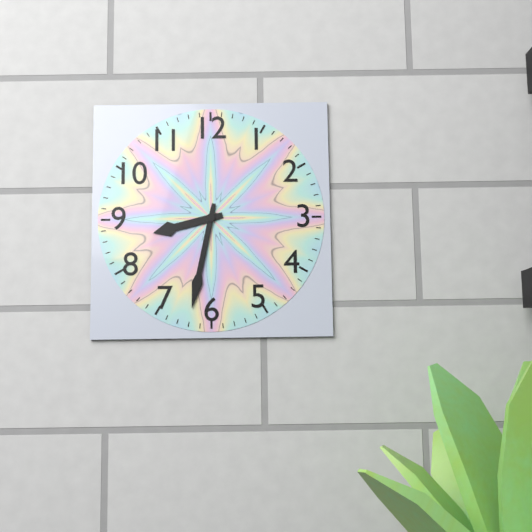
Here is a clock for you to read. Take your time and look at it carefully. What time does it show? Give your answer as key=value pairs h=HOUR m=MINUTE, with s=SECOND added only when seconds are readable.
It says h=8 m=32
